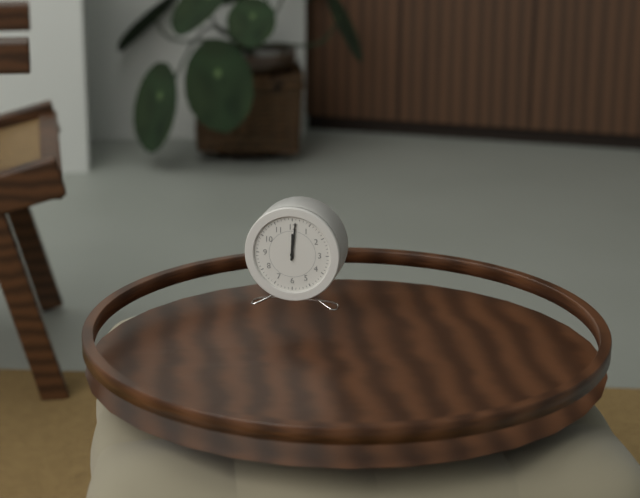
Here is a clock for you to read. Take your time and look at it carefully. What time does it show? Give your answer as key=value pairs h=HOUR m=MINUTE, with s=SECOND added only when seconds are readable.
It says h=12 m=1
